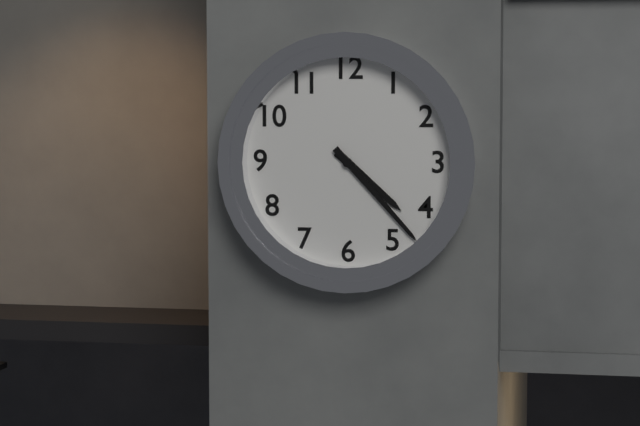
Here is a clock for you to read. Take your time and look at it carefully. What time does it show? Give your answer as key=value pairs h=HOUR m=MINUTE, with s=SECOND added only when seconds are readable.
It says h=4 m=23
